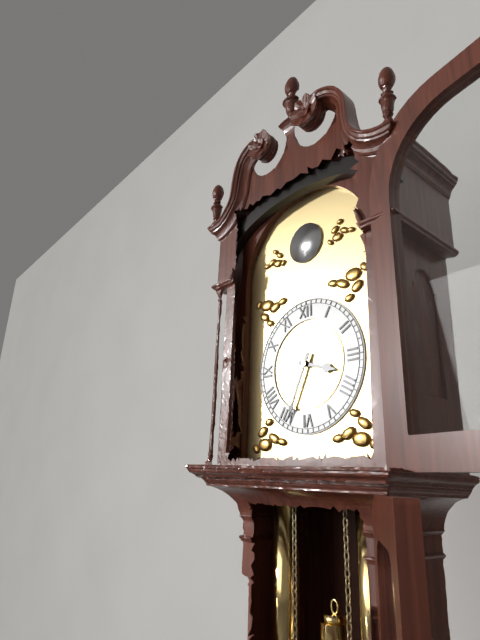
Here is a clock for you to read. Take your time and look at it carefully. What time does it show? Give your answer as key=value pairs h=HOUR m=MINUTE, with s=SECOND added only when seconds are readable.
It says h=3 m=34
